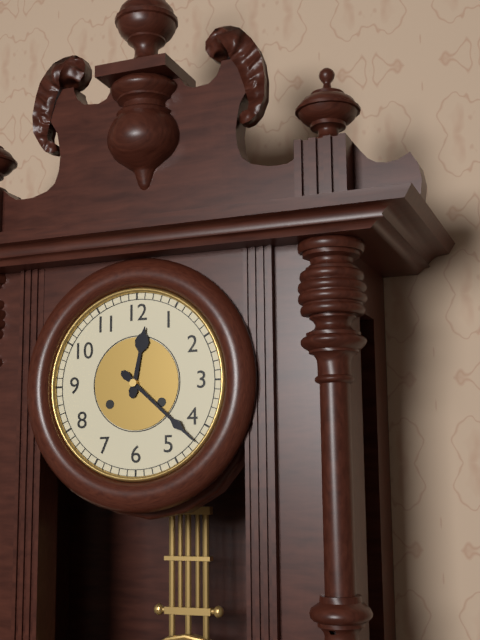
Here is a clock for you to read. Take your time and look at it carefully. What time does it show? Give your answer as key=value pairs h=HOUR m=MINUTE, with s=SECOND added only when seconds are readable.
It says h=12 m=22
